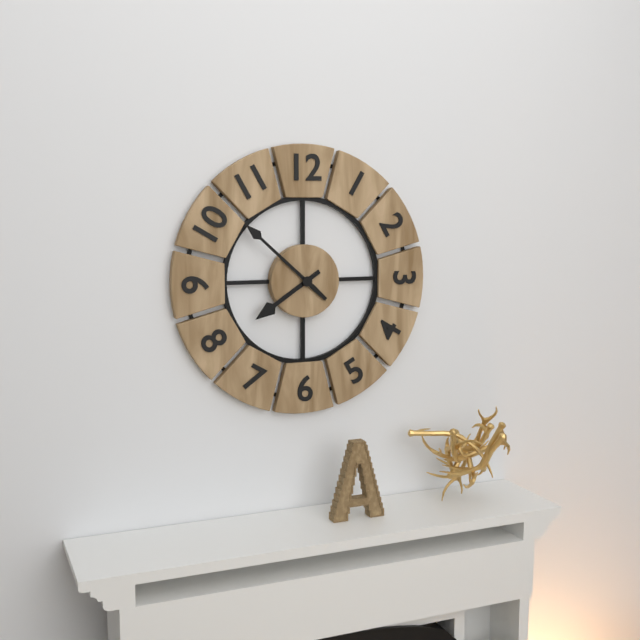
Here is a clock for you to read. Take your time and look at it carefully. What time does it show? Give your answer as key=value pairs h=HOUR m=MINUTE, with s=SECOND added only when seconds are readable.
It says h=7 m=52
